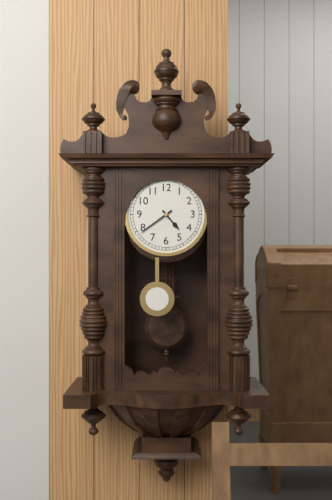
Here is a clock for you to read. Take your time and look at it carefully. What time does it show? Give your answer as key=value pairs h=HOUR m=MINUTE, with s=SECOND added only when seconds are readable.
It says h=4 m=39
